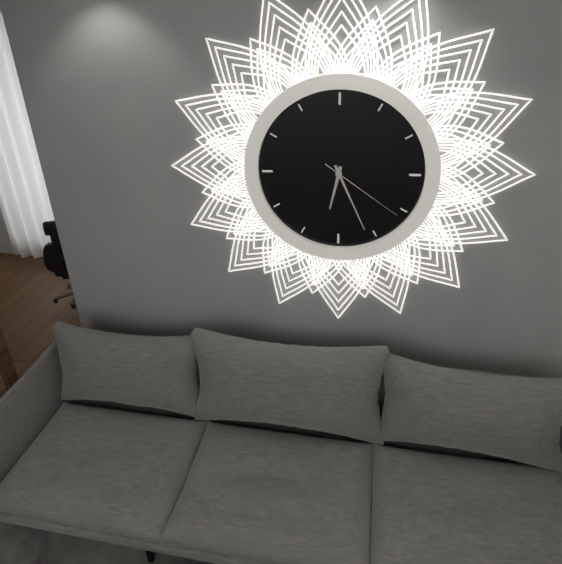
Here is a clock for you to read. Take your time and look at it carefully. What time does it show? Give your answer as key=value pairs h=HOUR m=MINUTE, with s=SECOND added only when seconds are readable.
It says h=6 m=26 s=21
